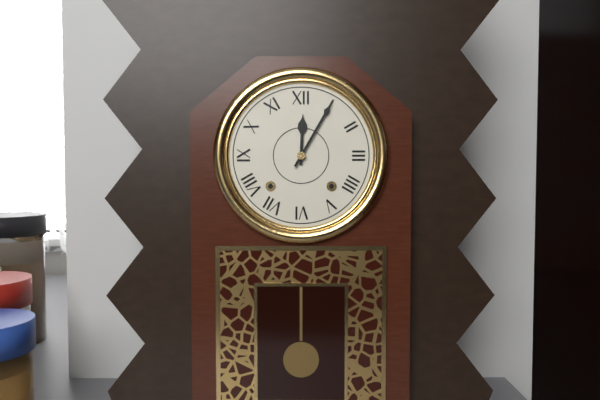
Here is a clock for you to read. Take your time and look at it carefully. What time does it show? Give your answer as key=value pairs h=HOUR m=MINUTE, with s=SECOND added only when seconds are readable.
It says h=12 m=5
